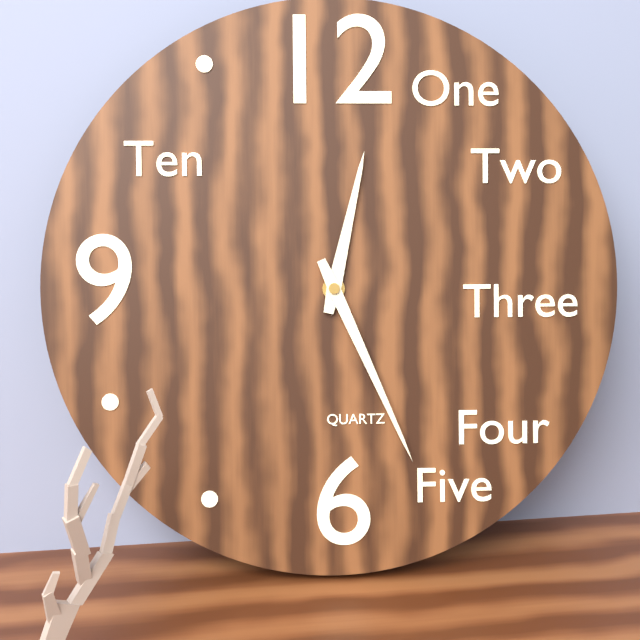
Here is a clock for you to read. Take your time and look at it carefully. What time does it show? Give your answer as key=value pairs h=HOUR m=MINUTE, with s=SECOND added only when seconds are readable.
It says h=12 m=26
